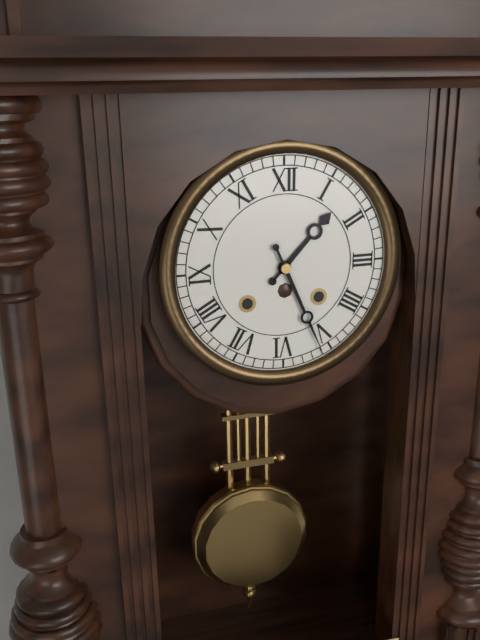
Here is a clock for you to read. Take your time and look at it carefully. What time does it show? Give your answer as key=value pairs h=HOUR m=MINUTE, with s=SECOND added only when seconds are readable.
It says h=1 m=26
